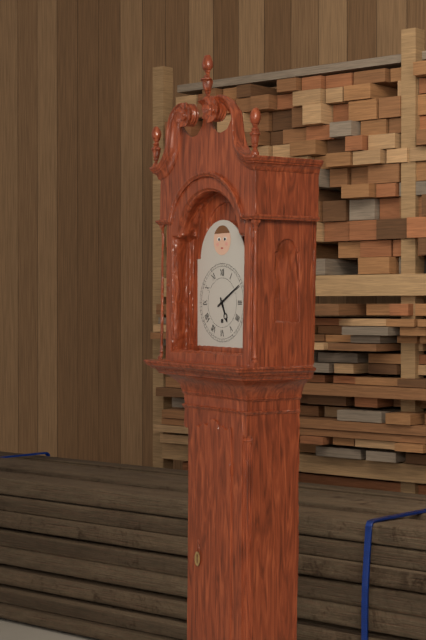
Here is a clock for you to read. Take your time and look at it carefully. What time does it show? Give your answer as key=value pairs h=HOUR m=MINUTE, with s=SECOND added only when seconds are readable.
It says h=5 m=10
